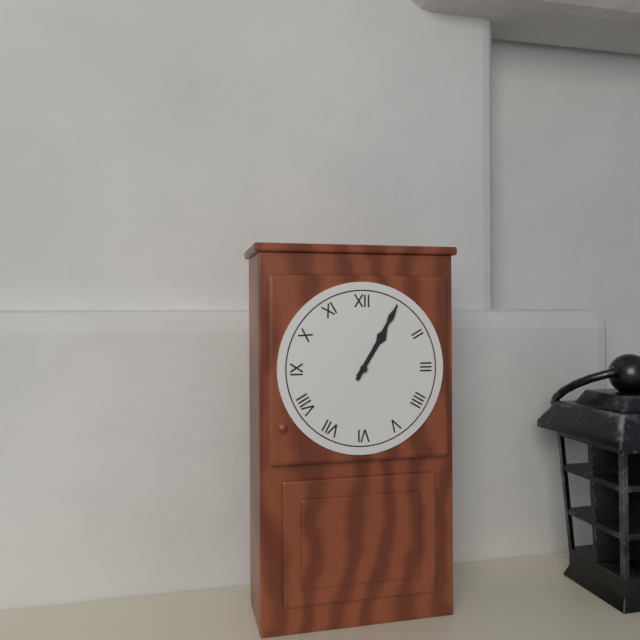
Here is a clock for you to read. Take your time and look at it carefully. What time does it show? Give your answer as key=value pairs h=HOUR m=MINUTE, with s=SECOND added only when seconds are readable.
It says h=1 m=5
